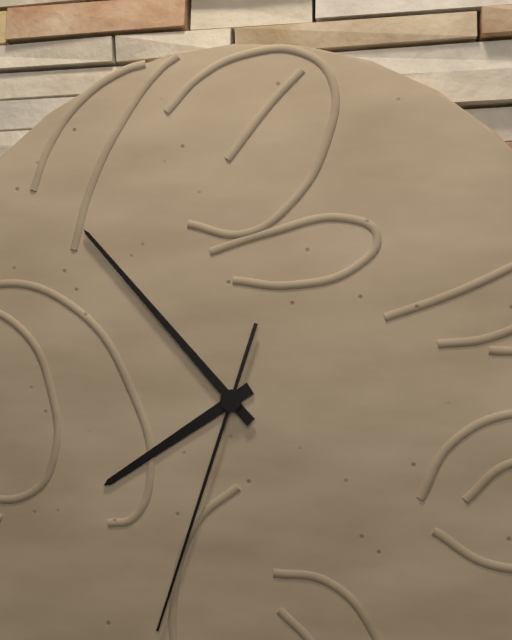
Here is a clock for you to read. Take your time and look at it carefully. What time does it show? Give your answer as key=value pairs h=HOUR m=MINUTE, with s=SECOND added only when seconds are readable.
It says h=7 m=53 s=33
